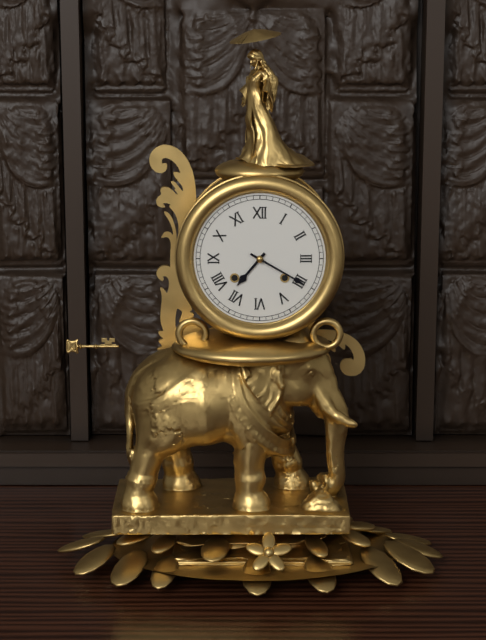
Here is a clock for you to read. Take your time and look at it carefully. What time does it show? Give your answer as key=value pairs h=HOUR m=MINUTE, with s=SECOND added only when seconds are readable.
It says h=7 m=20
